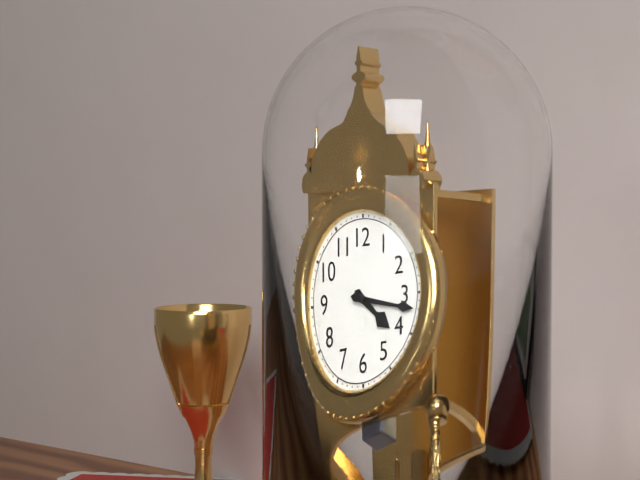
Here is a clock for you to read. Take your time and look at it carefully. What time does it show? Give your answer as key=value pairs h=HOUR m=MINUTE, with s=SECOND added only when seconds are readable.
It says h=4 m=17
